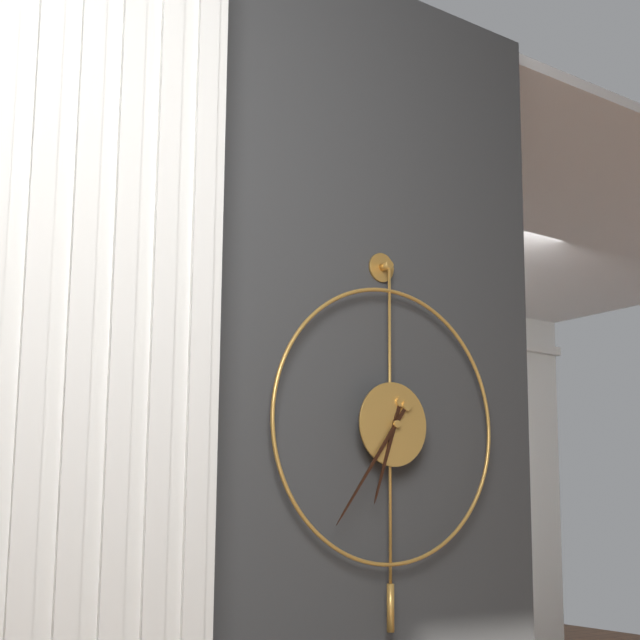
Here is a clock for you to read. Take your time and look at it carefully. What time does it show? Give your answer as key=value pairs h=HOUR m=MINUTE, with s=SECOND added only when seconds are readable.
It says h=6 m=36
